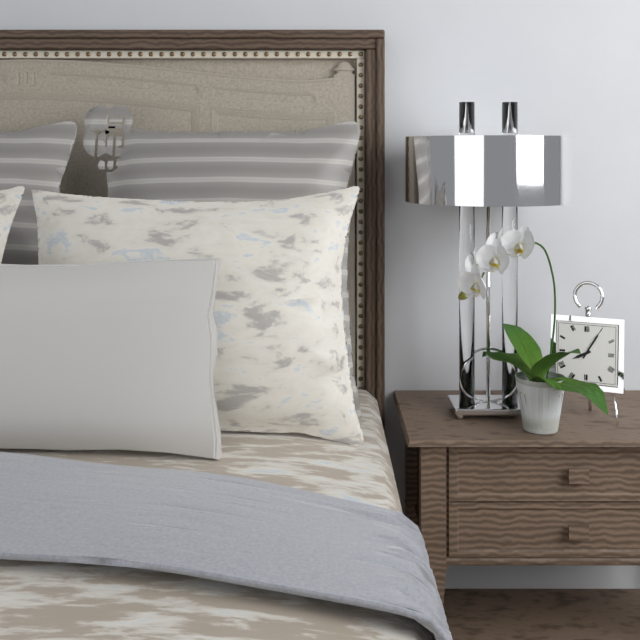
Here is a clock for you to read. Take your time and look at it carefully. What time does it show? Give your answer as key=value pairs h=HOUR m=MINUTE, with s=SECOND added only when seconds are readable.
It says h=8 m=5
